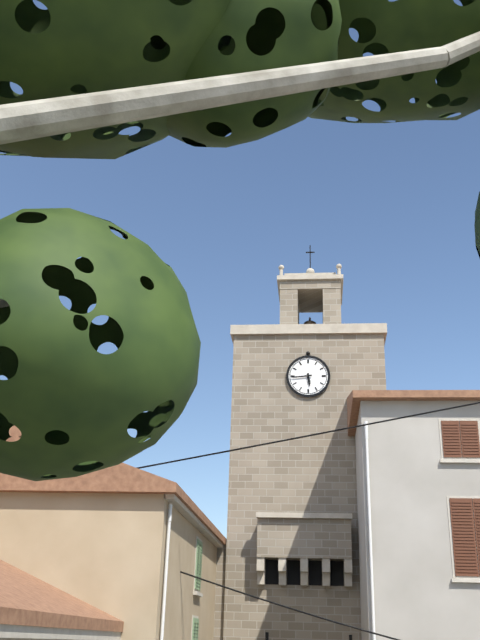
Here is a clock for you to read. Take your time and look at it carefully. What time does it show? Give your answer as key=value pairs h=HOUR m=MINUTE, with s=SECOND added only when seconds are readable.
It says h=5 m=44
